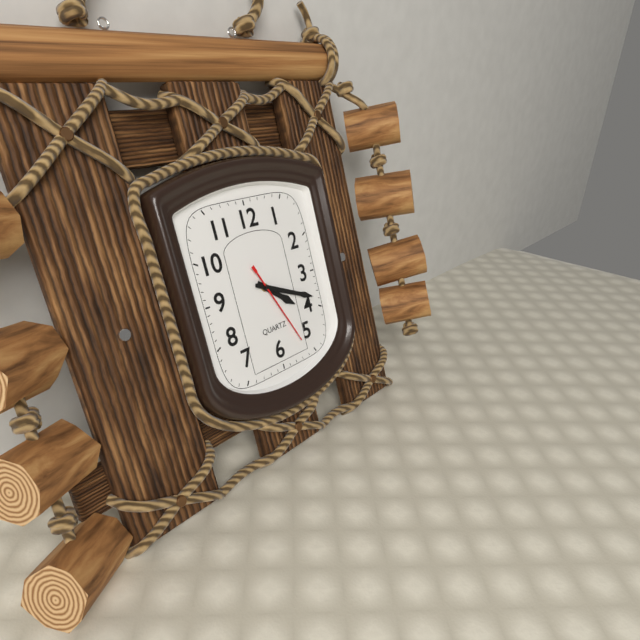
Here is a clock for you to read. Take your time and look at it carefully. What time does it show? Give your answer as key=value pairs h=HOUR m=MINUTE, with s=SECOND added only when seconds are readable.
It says h=4 m=19 s=26
